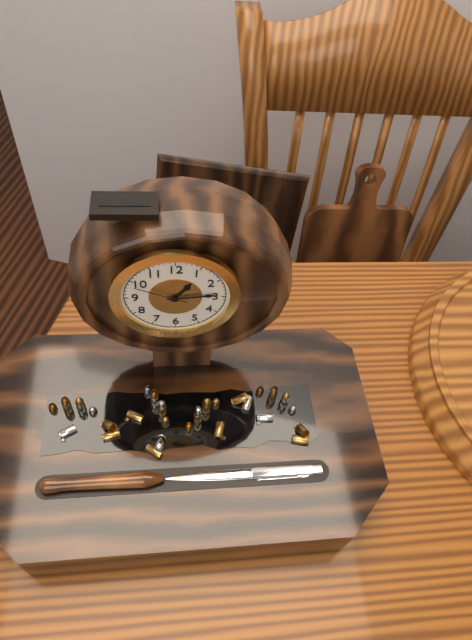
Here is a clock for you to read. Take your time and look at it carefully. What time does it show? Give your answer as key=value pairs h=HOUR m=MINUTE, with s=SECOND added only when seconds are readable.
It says h=1 m=14 s=49
